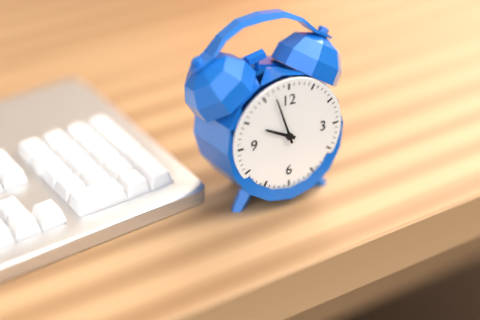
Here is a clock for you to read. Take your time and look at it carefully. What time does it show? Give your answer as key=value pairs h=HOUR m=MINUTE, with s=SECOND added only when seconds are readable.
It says h=9 m=57
